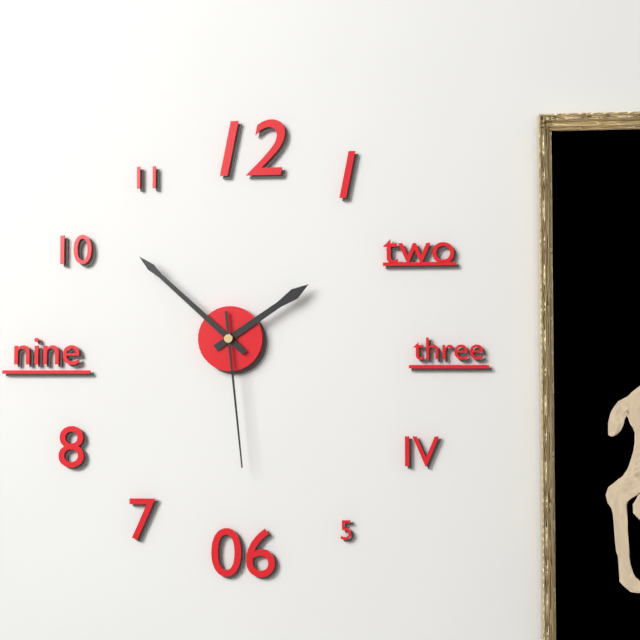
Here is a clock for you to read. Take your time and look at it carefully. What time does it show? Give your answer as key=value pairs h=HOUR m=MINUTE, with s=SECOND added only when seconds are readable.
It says h=1 m=52 s=29
